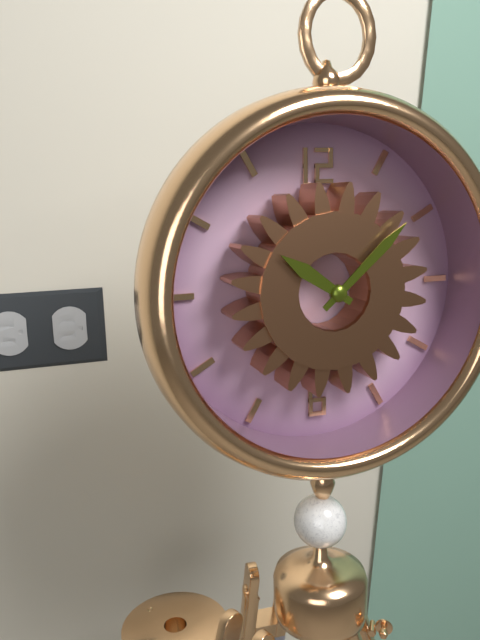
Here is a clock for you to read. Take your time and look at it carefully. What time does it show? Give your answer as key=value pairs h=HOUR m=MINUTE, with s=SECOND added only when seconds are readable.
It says h=10 m=8
